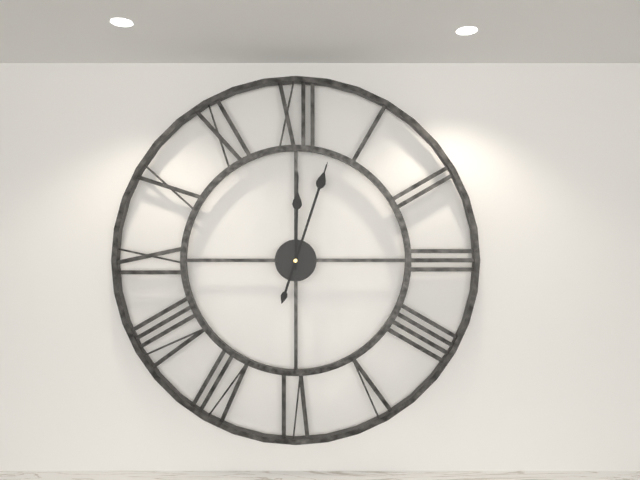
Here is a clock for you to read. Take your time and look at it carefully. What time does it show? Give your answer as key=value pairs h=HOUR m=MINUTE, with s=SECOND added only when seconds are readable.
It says h=12 m=3
